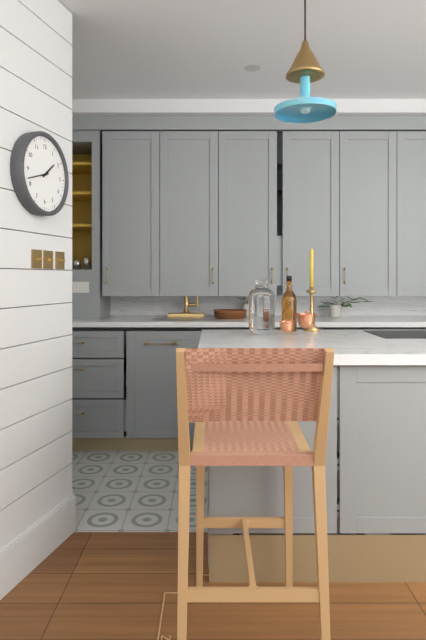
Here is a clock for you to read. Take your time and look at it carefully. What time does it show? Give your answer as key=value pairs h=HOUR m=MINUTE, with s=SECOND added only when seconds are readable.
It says h=1 m=42
